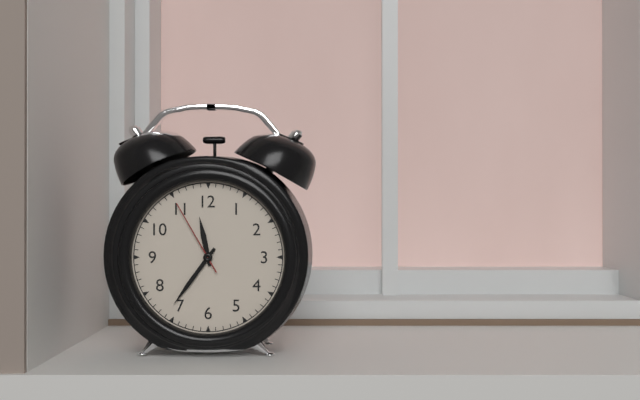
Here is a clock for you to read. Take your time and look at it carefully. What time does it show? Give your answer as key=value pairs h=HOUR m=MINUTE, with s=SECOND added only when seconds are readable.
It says h=11 m=36 s=55
